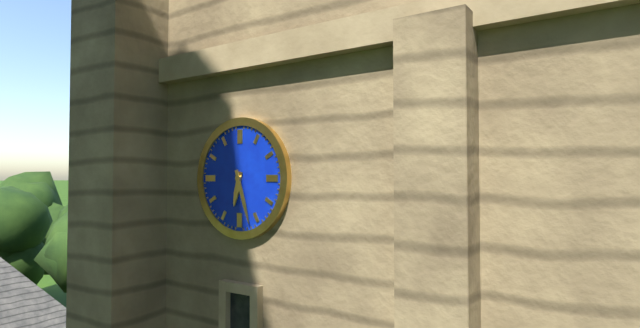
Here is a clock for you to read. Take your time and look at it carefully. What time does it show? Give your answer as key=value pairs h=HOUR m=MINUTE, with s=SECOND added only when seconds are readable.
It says h=6 m=27
